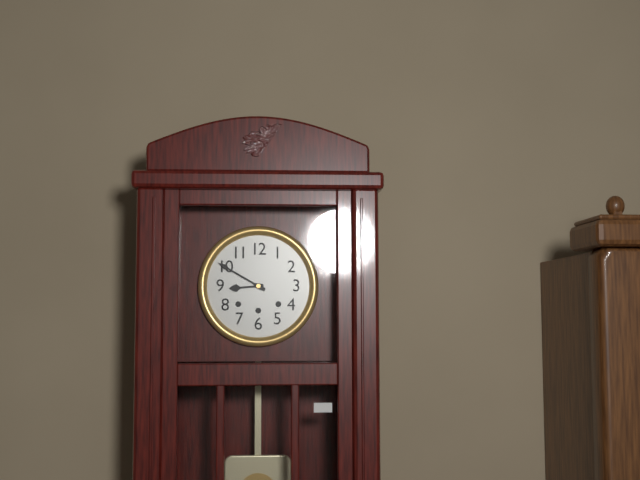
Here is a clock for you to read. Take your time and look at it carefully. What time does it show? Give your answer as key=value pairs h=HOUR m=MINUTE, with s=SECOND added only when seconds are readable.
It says h=8 m=50
